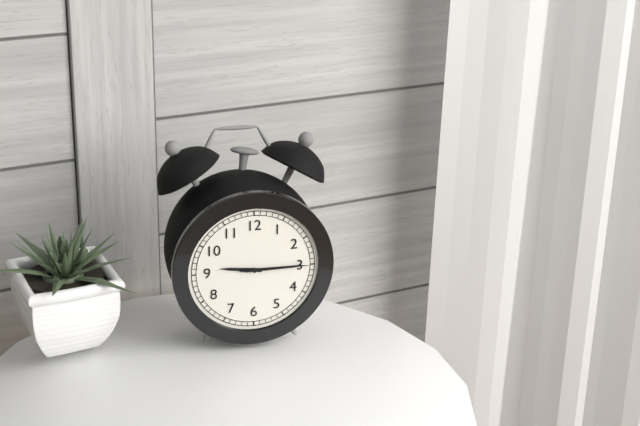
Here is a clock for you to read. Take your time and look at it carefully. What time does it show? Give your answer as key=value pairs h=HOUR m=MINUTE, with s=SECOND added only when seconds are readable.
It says h=9 m=15 s=15
